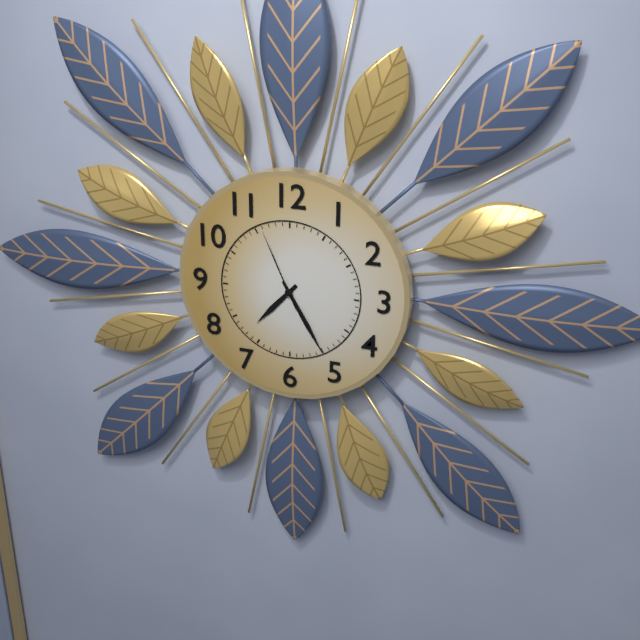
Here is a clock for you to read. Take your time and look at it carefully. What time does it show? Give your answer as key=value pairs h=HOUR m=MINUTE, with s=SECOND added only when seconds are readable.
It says h=7 m=25 s=56
